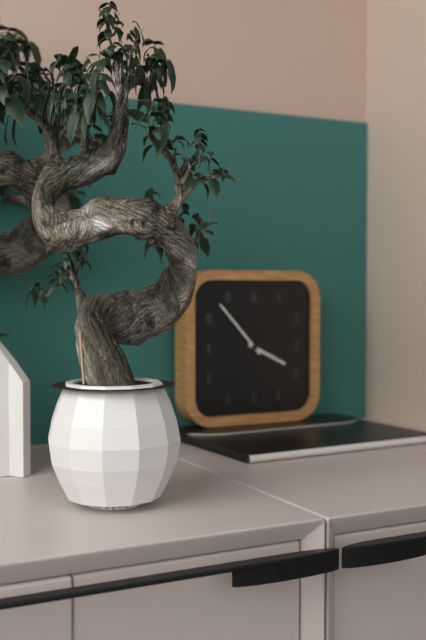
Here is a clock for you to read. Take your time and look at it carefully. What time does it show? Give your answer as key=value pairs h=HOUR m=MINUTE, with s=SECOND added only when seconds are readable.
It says h=3 m=53
